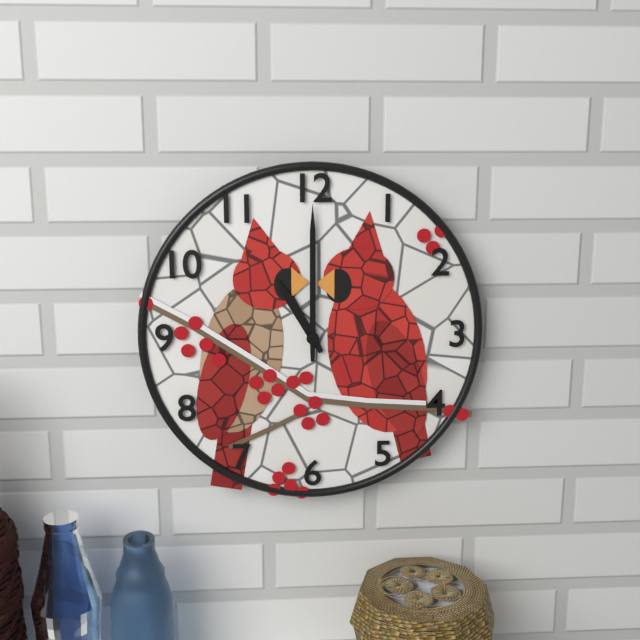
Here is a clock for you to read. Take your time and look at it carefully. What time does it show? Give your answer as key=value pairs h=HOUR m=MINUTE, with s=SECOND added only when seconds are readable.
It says h=11 m=0
